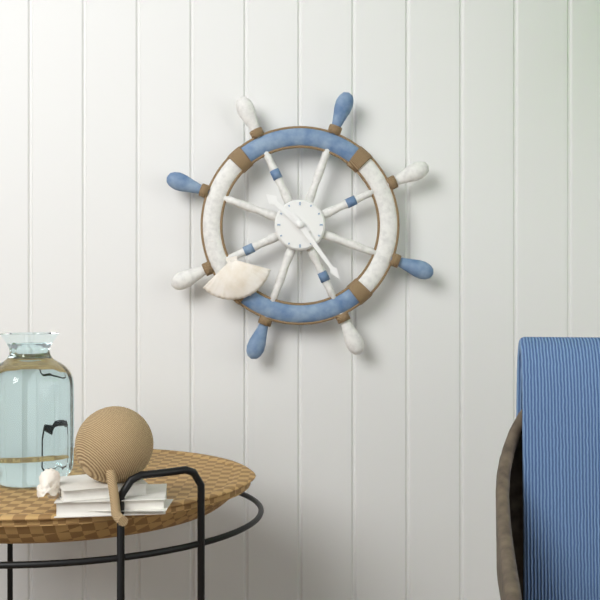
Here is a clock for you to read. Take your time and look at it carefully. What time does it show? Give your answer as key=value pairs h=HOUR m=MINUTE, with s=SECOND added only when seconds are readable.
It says h=10 m=24
